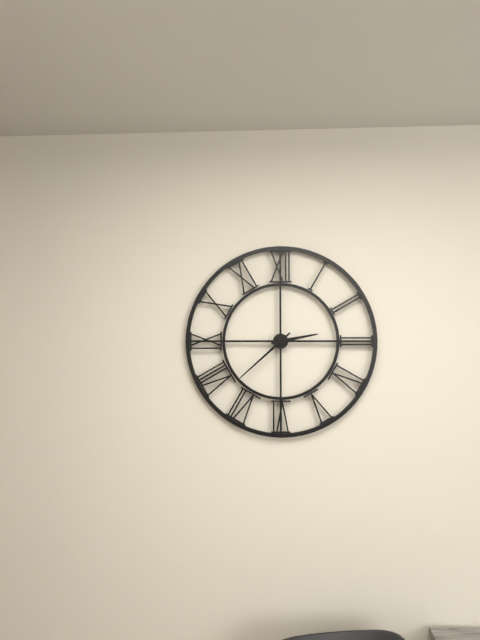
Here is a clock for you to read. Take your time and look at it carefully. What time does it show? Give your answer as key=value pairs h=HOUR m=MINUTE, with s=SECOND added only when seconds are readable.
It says h=2 m=38
